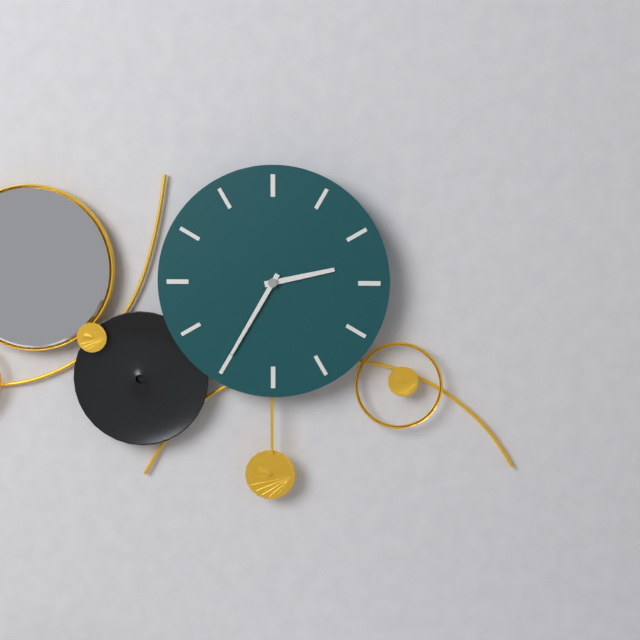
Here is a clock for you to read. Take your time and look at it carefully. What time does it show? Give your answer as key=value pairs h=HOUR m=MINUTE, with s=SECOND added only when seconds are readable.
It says h=2 m=35
